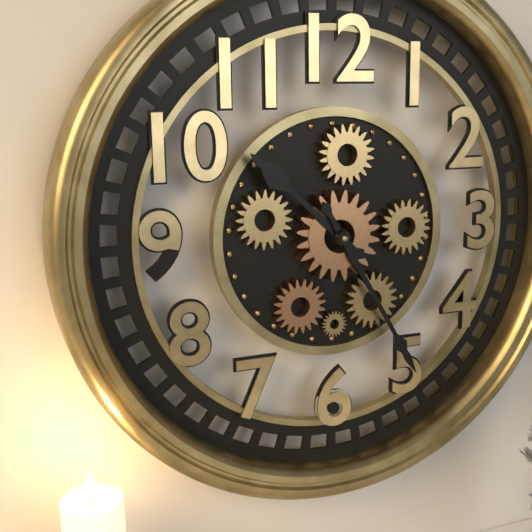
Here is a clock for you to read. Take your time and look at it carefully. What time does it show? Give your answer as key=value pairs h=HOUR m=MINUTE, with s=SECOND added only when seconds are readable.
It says h=10 m=25
